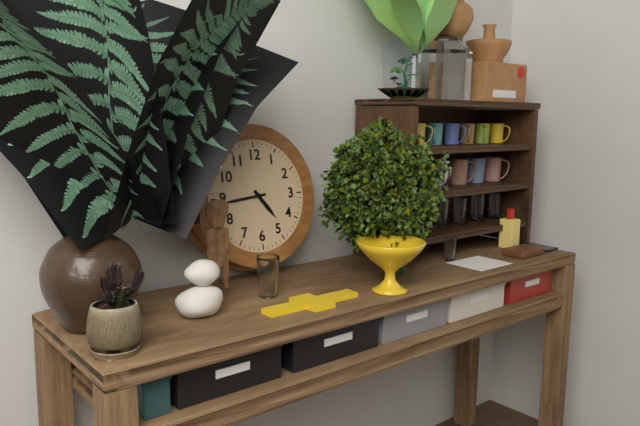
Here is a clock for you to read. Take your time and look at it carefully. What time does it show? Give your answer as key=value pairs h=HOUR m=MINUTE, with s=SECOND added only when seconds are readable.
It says h=4 m=44
